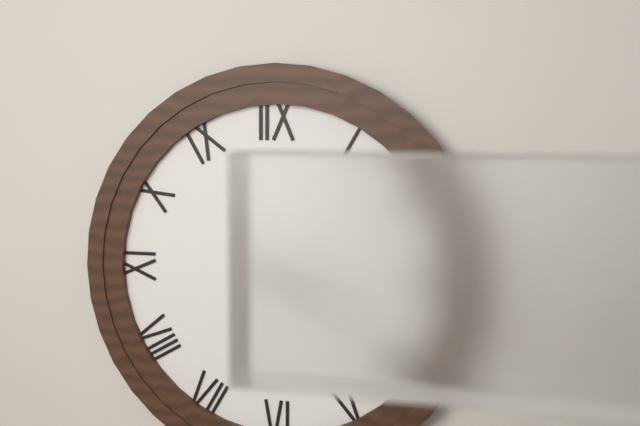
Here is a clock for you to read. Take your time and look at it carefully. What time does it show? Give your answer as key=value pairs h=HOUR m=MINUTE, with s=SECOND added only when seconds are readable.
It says h=3 m=20
